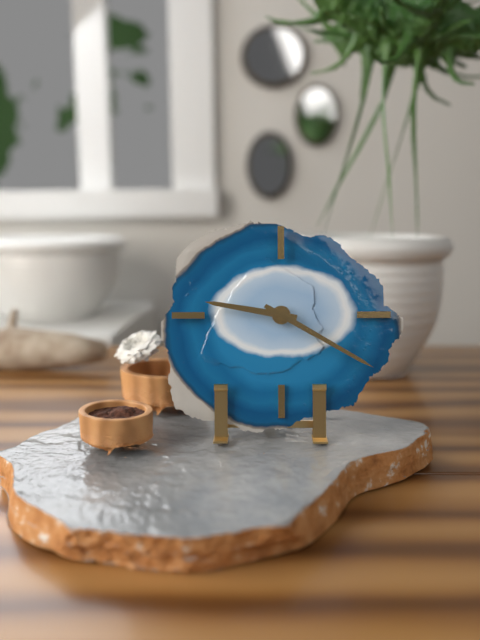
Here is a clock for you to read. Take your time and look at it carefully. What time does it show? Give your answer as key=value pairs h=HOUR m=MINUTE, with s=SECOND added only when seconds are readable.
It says h=9 m=20
